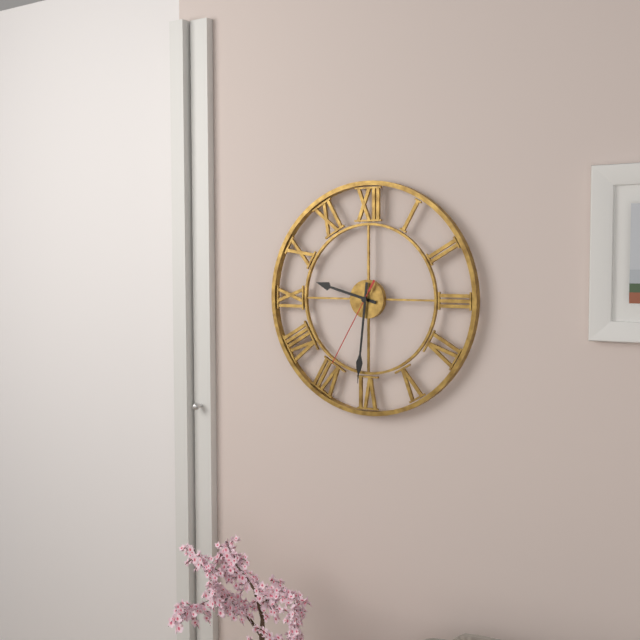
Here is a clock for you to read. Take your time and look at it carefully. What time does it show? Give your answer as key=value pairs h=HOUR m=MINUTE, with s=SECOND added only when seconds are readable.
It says h=9 m=31 s=35
